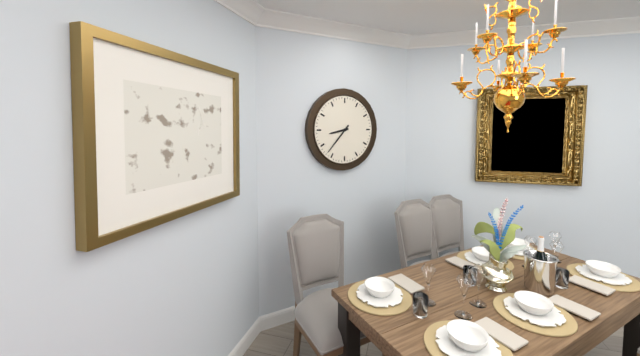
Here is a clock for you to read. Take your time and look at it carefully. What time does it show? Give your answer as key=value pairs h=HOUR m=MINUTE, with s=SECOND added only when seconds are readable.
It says h=8 m=37
